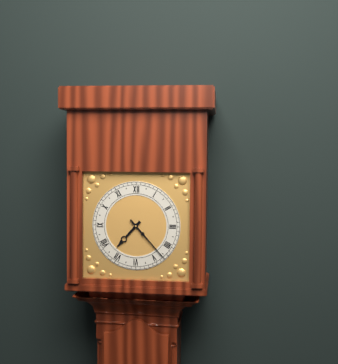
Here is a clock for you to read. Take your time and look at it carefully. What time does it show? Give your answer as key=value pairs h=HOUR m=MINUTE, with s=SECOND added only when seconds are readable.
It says h=7 m=23
